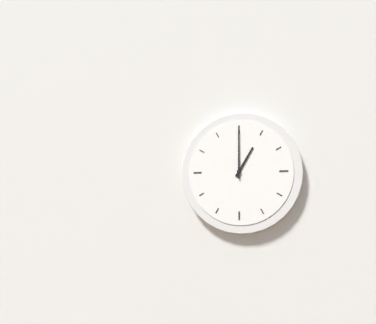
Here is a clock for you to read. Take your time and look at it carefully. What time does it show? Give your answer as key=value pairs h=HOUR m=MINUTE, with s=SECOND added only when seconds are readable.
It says h=1 m=0
